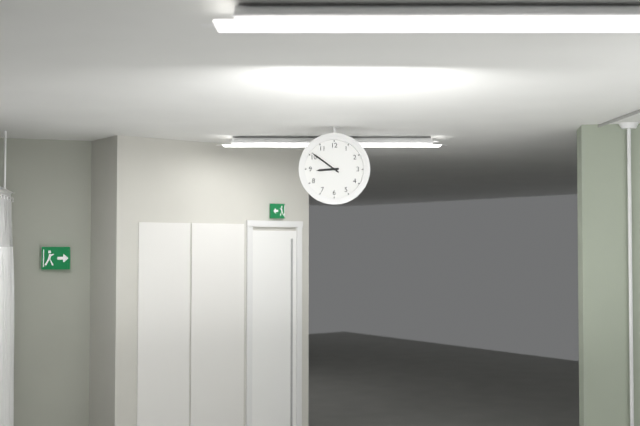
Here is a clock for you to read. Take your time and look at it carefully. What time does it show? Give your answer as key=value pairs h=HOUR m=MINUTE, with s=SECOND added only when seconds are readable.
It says h=8 m=51
